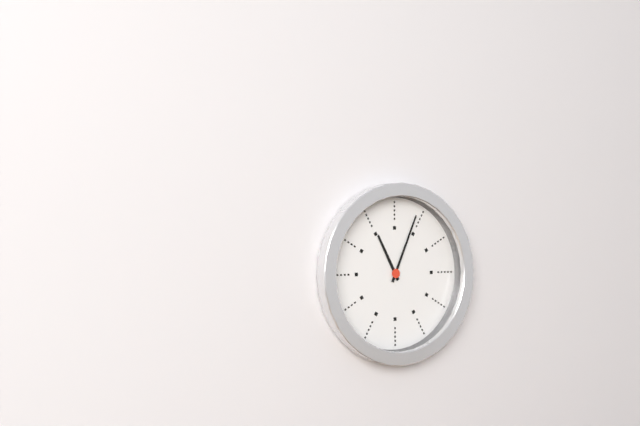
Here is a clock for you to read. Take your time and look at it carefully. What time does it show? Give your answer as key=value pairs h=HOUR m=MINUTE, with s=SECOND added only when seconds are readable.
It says h=11 m=4
